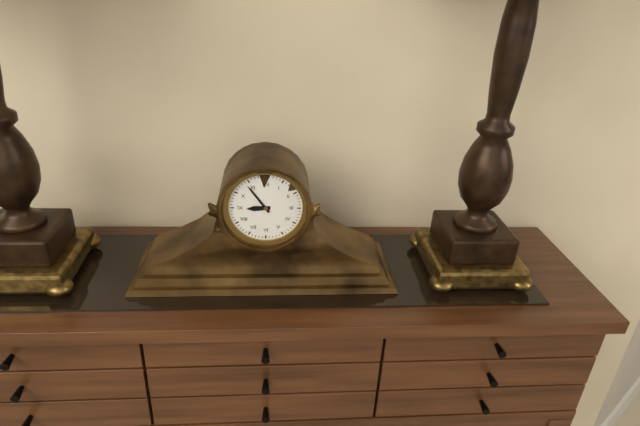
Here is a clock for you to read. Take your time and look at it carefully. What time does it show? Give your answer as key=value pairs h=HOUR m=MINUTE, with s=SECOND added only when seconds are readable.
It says h=8 m=54
